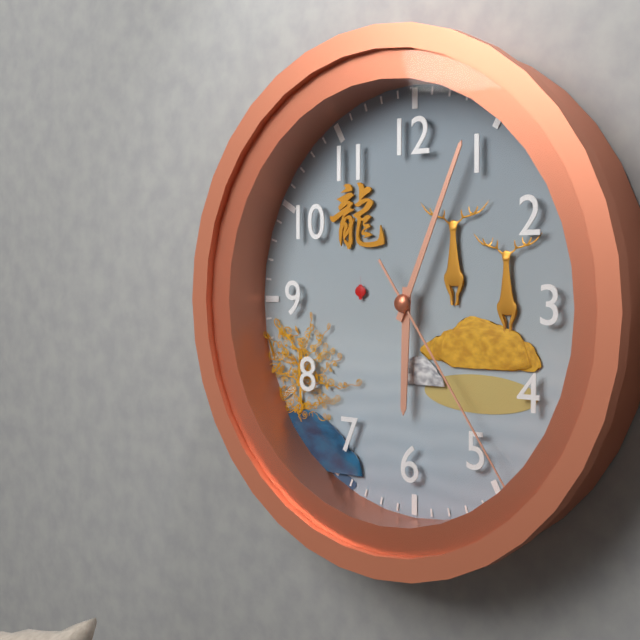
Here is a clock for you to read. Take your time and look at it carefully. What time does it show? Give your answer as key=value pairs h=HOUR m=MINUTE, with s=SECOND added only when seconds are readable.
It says h=6 m=4 s=24
